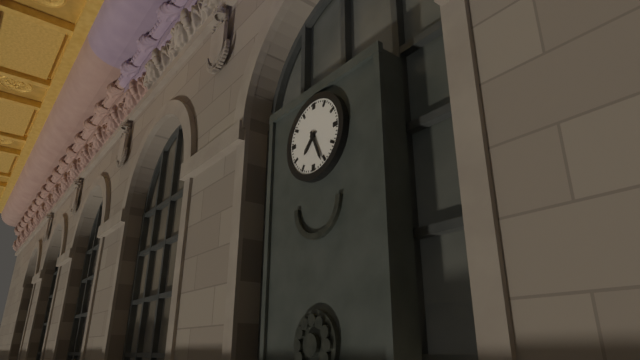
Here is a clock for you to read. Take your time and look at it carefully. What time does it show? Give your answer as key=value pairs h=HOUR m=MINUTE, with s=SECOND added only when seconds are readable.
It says h=7 m=26
